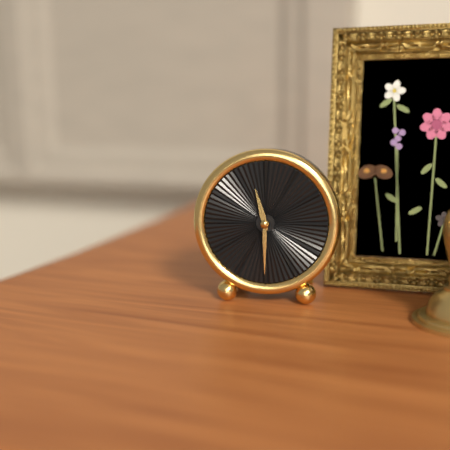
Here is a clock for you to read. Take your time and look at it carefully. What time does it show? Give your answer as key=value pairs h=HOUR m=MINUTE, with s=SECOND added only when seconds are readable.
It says h=11 m=30
